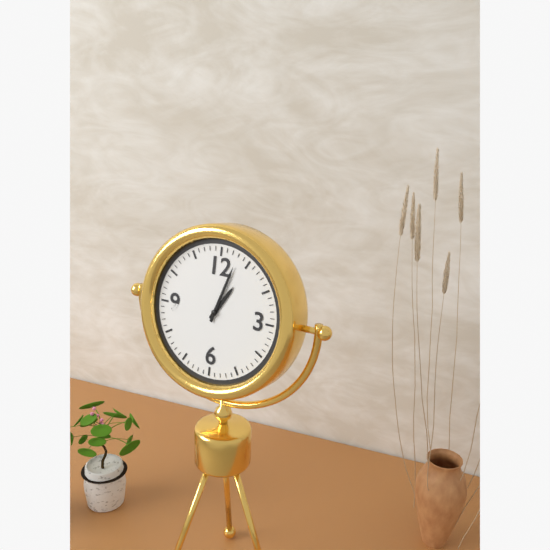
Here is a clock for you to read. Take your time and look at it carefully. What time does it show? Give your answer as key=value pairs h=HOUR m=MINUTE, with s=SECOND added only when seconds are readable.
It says h=1 m=3
